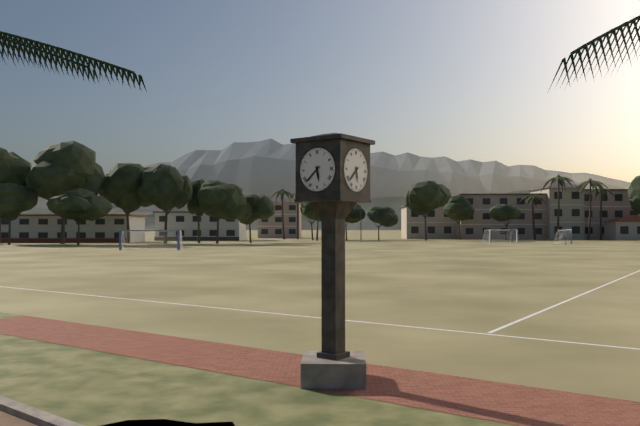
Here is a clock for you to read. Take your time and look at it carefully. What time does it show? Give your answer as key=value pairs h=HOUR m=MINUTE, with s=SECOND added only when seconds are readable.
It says h=5 m=38
